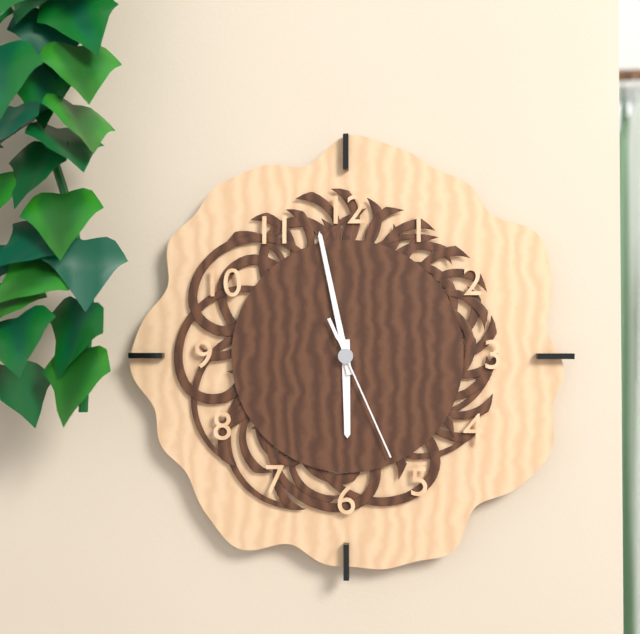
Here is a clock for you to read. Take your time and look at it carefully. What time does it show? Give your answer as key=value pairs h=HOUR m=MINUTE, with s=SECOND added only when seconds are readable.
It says h=5 m=58 s=26
